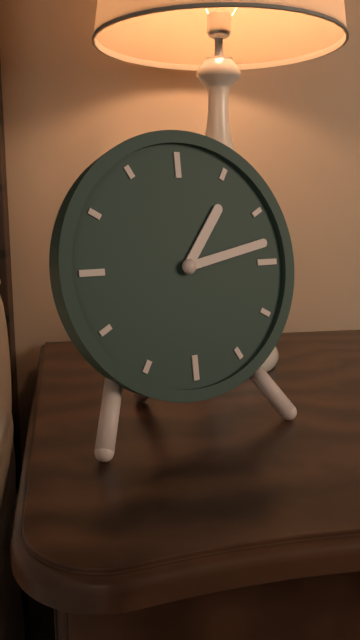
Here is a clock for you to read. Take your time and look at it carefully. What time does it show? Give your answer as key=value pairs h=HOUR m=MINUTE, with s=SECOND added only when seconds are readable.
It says h=1 m=13
